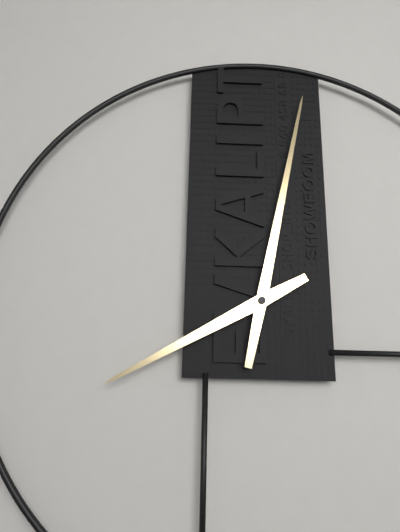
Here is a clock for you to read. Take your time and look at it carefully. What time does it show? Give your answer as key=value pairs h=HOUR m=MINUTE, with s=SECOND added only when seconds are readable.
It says h=8 m=2
